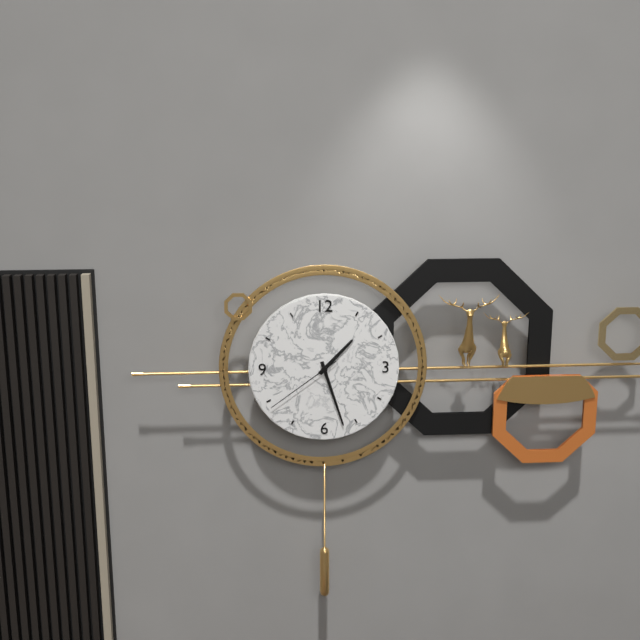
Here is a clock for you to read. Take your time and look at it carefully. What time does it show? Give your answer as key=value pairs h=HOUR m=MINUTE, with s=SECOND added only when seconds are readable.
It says h=1 m=27 s=39
